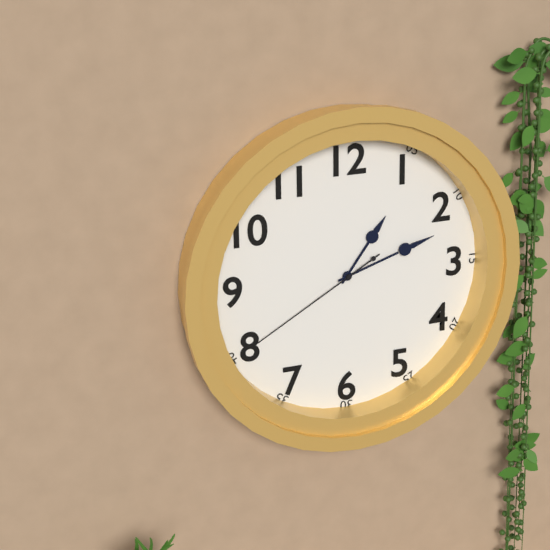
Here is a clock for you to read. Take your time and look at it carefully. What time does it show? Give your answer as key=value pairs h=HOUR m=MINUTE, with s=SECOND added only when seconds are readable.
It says h=1 m=12 s=40
